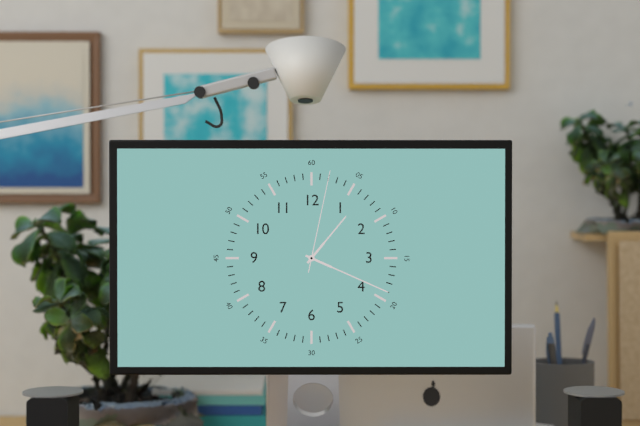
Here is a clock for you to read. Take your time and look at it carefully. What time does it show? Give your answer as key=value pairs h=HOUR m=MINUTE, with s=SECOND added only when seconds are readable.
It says h=1 m=19 s=2
